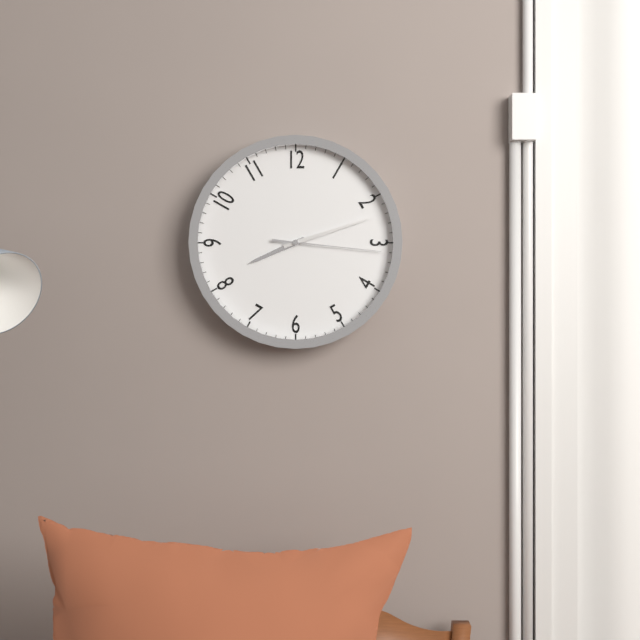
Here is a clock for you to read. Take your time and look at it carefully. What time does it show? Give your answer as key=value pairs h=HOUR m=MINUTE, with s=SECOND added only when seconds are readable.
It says h=8 m=12 s=16
